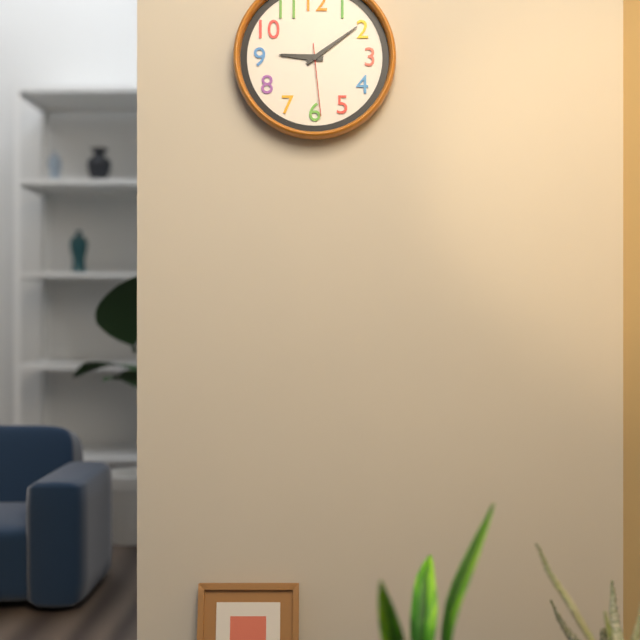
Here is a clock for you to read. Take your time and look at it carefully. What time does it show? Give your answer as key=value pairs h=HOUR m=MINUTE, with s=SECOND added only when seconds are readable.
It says h=9 m=9 s=29
